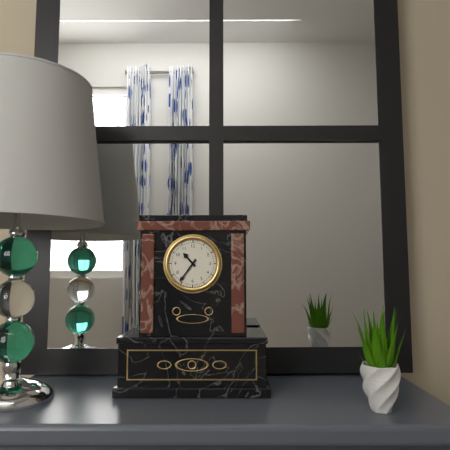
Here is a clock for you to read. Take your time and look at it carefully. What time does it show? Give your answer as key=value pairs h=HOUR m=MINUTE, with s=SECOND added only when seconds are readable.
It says h=10 m=36
